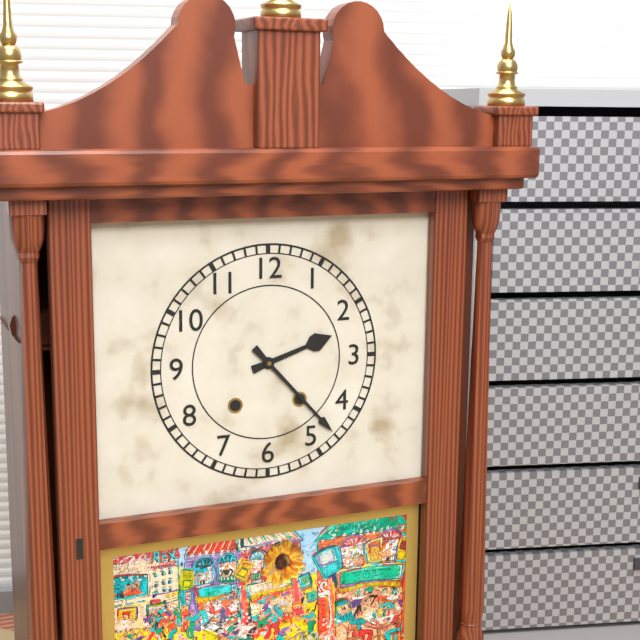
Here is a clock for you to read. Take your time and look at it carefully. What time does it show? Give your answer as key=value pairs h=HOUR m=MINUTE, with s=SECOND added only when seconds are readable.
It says h=2 m=23
